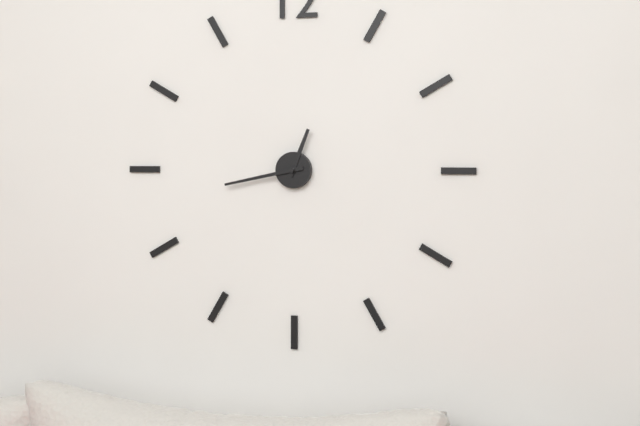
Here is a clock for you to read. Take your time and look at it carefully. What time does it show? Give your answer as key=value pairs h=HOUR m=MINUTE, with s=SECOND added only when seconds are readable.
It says h=12 m=43
